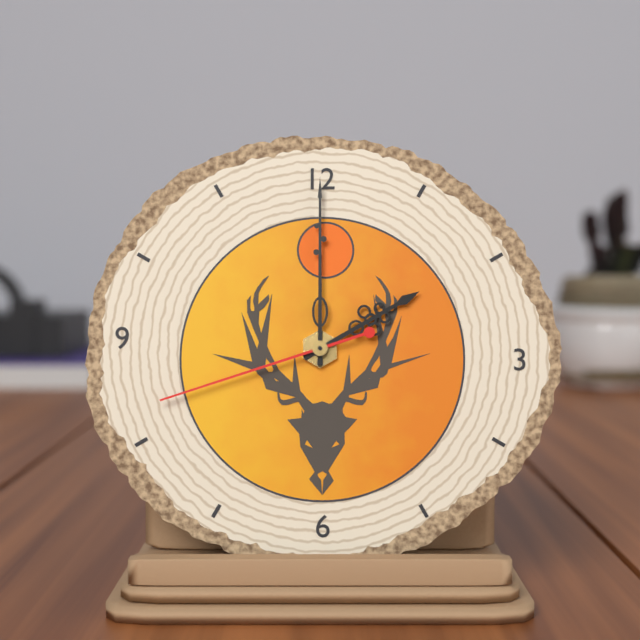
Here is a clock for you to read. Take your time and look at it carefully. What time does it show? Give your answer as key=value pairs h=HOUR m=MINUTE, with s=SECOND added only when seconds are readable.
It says h=2 m=0 s=42
